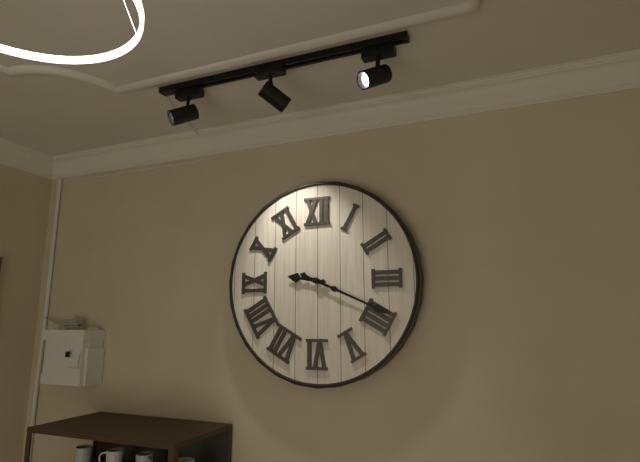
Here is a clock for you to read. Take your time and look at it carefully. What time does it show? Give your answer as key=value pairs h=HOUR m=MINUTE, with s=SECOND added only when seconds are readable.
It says h=9 m=19
